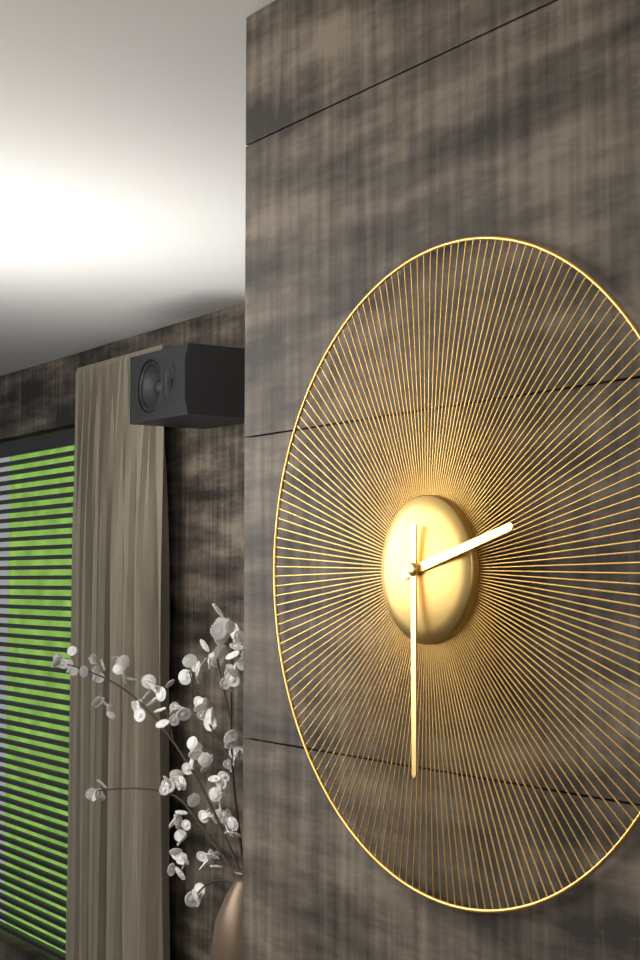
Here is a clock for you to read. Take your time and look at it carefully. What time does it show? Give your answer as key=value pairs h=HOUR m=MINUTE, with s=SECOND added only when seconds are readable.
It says h=2 m=30
